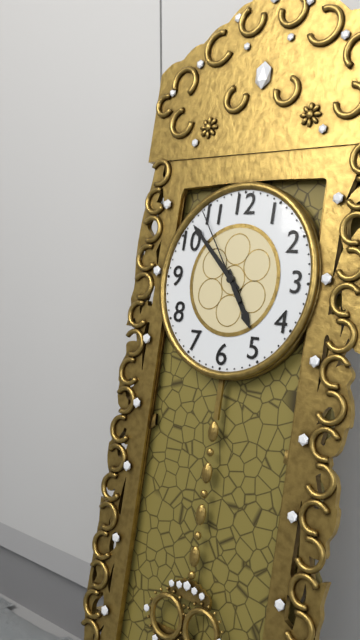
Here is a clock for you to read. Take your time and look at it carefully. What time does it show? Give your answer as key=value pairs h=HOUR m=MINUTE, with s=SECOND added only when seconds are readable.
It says h=4 m=52 s=54
